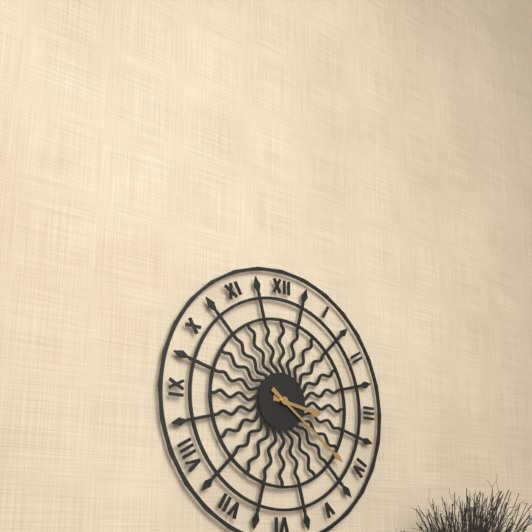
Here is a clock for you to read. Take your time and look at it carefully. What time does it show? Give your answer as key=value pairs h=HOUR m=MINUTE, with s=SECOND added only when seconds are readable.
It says h=3 m=21
